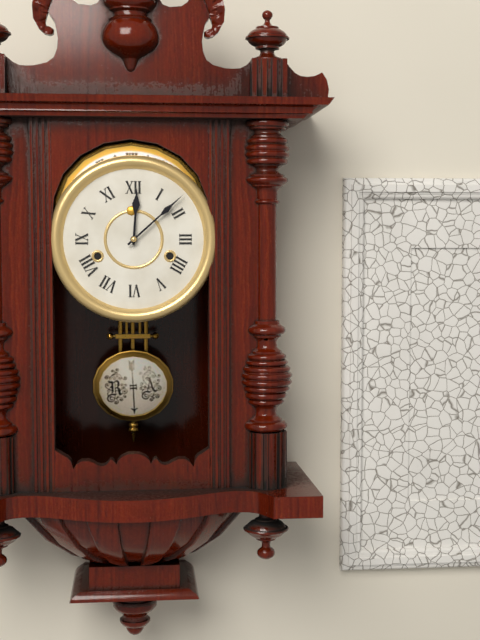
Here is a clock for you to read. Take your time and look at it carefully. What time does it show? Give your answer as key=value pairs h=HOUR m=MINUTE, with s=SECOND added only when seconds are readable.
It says h=12 m=8
